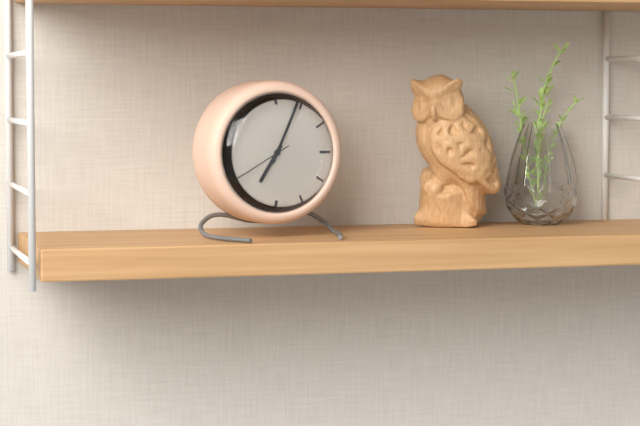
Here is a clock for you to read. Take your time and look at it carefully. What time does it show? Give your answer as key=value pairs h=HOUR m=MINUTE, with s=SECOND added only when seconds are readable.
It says h=7 m=4 s=40
